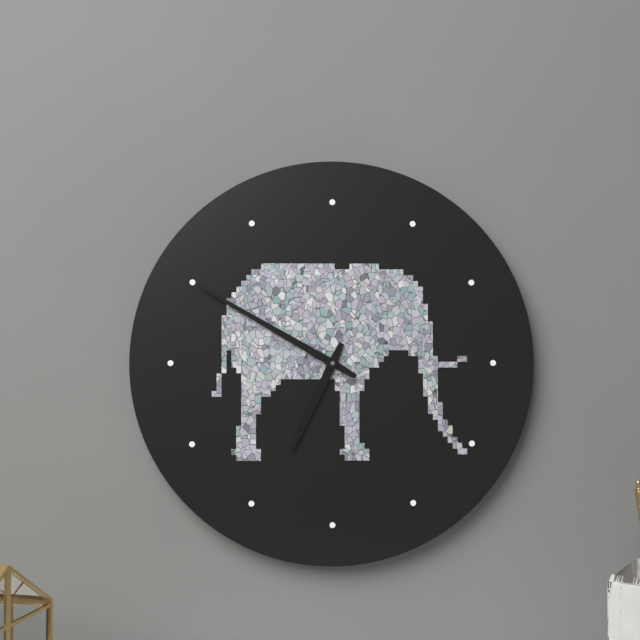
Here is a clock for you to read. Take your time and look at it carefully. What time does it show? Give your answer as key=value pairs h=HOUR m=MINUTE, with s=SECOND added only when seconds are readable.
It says h=6 m=50
